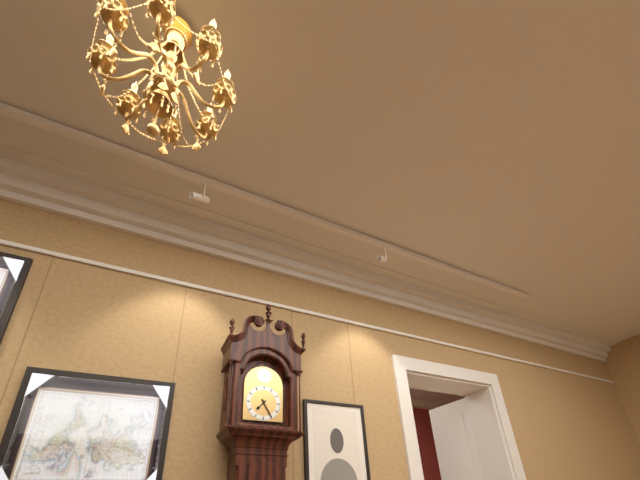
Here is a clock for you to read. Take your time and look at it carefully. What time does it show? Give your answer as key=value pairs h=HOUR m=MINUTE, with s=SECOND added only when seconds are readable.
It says h=7 m=25
